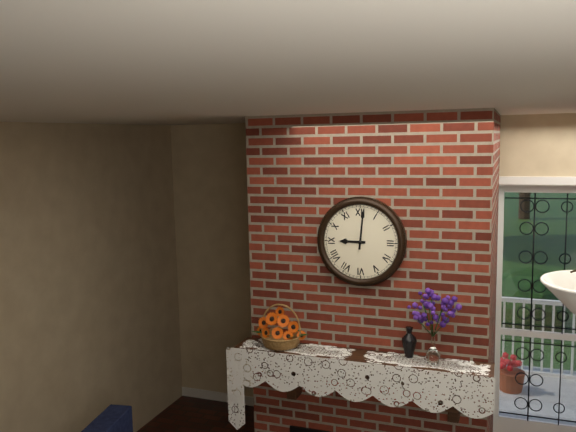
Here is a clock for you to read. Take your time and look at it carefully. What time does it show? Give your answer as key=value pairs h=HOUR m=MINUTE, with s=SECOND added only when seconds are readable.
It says h=9 m=1
